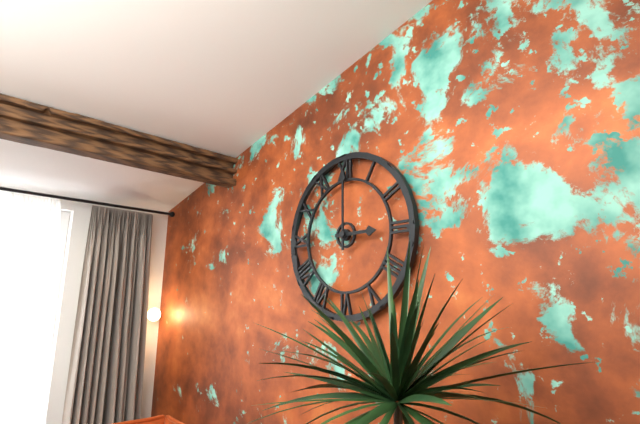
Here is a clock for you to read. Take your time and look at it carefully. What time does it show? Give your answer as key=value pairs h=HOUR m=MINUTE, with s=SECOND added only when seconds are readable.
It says h=3 m=0
